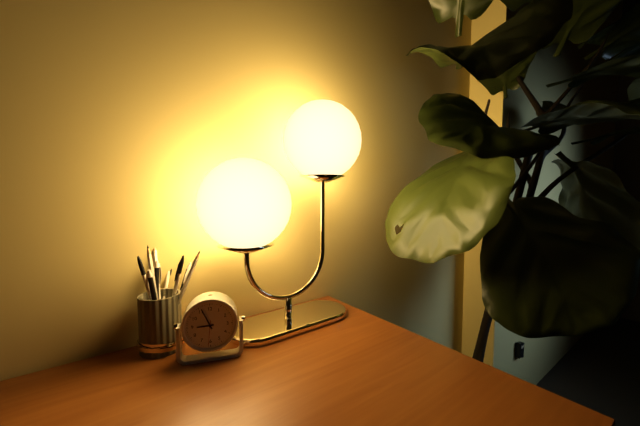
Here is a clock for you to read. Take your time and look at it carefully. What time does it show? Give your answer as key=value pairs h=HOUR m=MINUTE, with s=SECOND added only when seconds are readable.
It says h=8 m=56
